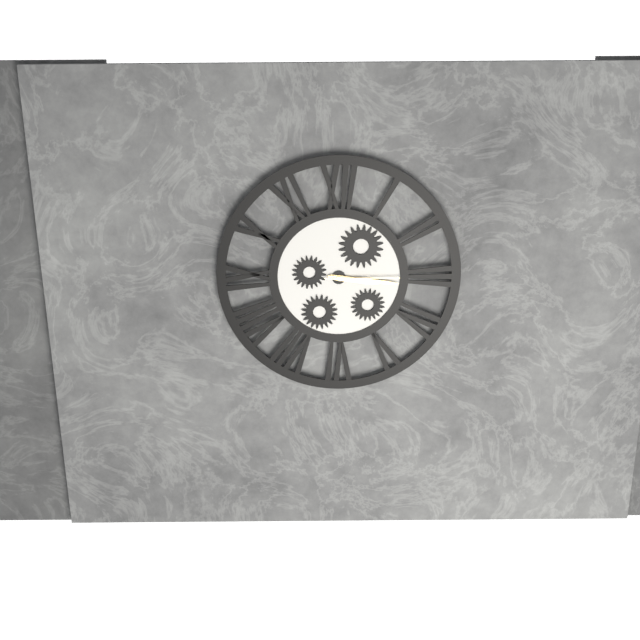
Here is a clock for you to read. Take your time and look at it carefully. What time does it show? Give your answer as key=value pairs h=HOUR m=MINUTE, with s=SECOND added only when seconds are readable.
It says h=3 m=16 s=15
